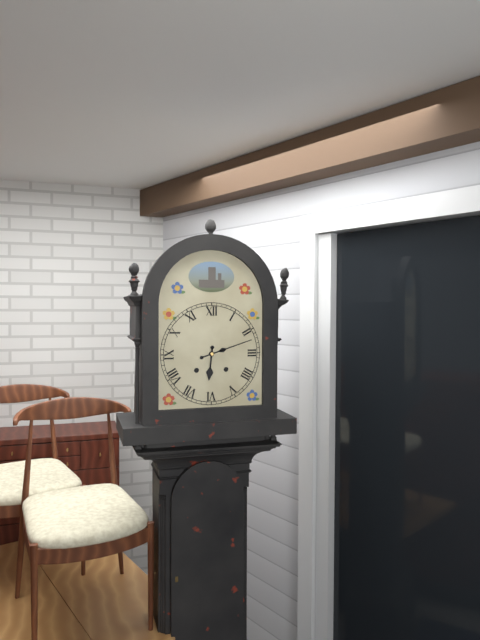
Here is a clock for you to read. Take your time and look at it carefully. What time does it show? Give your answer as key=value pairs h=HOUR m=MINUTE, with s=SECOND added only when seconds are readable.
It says h=6 m=12
